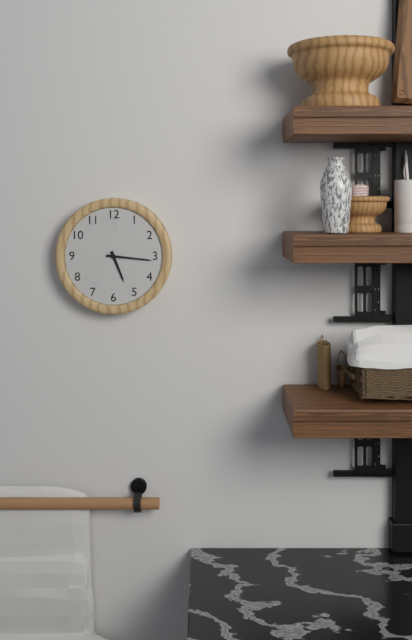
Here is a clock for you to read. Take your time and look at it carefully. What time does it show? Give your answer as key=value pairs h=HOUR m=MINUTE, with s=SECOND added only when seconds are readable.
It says h=5 m=16
